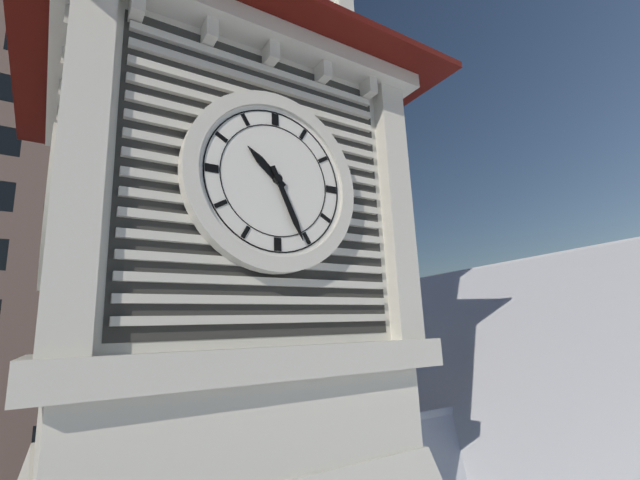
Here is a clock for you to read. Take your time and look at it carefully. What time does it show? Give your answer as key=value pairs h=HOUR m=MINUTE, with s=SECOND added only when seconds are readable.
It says h=10 m=26
